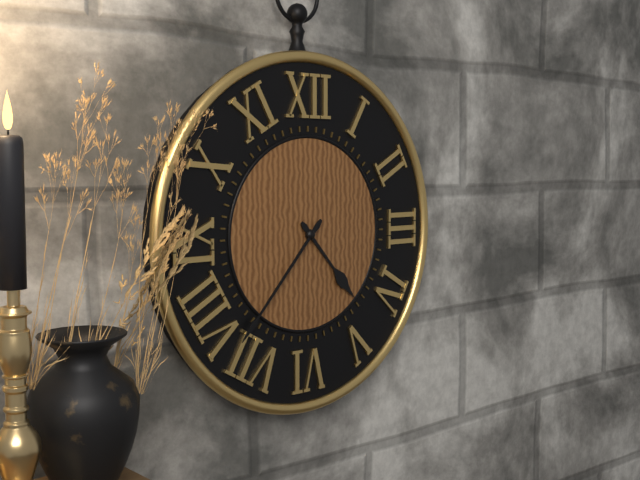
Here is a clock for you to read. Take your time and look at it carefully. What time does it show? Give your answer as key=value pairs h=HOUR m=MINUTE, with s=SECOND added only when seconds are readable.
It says h=4 m=37
